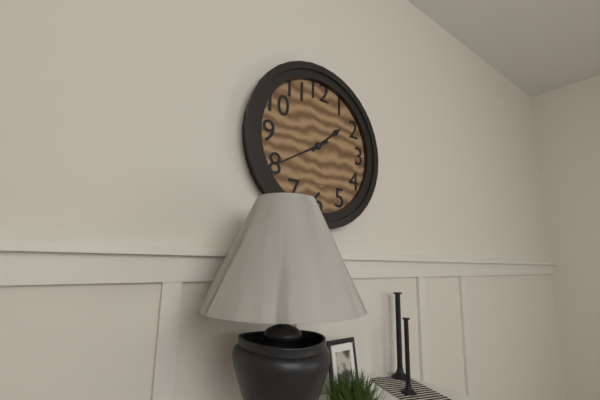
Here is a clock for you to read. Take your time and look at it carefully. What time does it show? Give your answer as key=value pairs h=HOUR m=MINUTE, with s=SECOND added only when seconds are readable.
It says h=1 m=40
